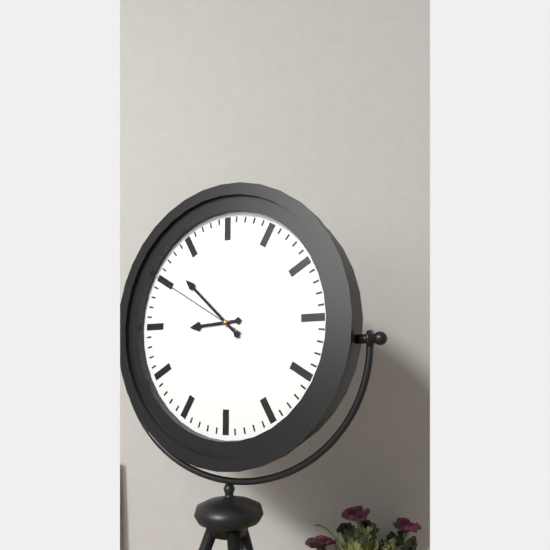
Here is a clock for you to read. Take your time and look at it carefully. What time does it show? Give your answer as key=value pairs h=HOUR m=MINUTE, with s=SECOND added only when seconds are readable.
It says h=8 m=52 s=50
